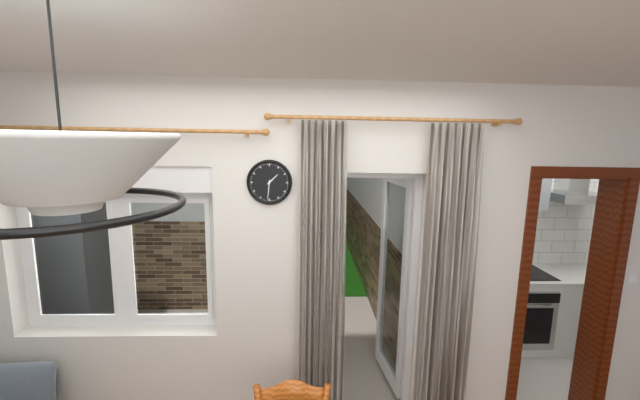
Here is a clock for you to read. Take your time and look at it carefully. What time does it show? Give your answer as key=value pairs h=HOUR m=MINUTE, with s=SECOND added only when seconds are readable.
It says h=1 m=31
